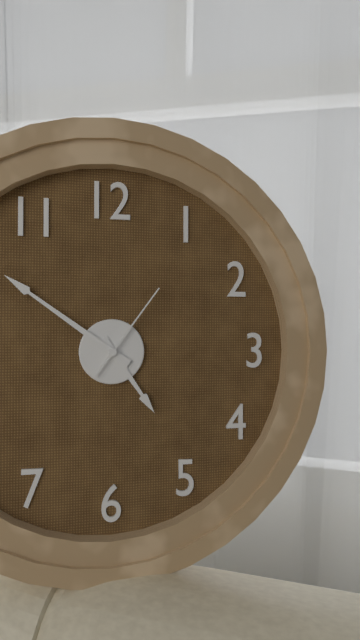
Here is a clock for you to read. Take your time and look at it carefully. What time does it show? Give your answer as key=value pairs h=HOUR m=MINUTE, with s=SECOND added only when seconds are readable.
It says h=4 m=51 s=6
